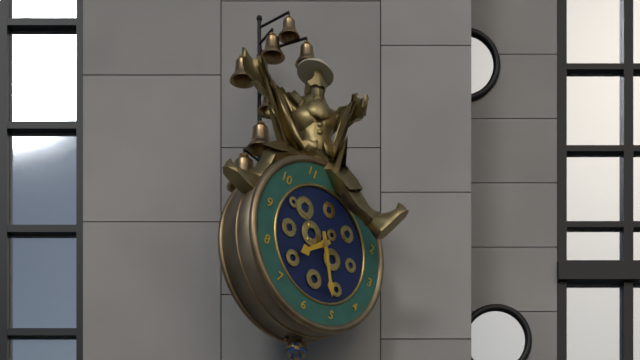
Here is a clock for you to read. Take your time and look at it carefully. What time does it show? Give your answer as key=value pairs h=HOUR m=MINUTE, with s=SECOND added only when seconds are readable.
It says h=7 m=25
